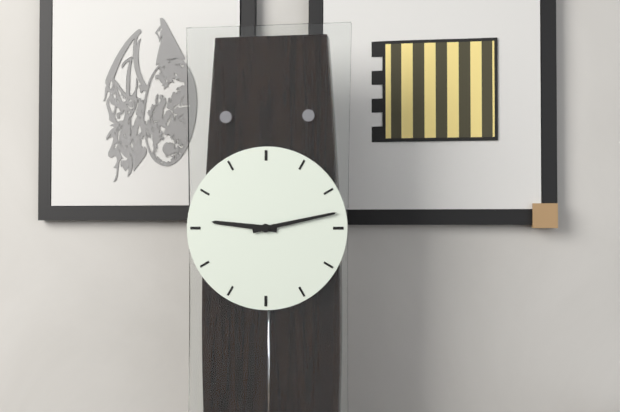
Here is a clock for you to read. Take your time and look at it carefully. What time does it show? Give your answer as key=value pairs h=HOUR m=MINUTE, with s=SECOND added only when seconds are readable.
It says h=9 m=13
